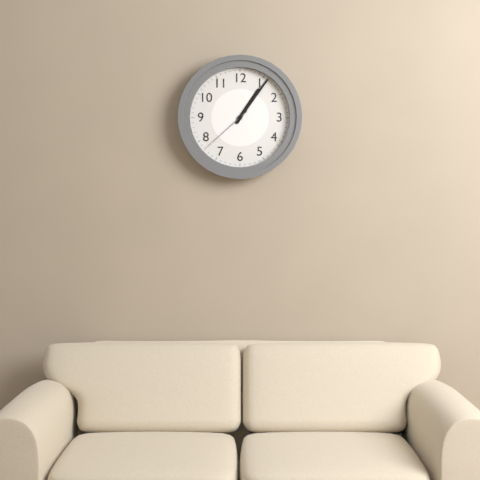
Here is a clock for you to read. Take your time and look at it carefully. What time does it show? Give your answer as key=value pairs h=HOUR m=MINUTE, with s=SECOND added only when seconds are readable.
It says h=1 m=6 s=38
